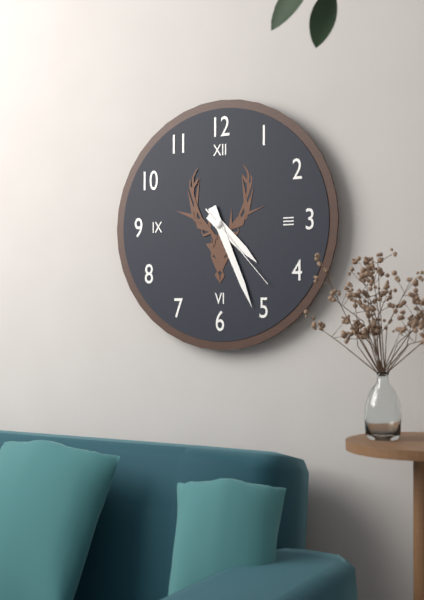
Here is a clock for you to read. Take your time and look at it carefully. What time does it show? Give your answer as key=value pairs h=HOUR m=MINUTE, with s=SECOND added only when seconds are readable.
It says h=4 m=26 s=23
